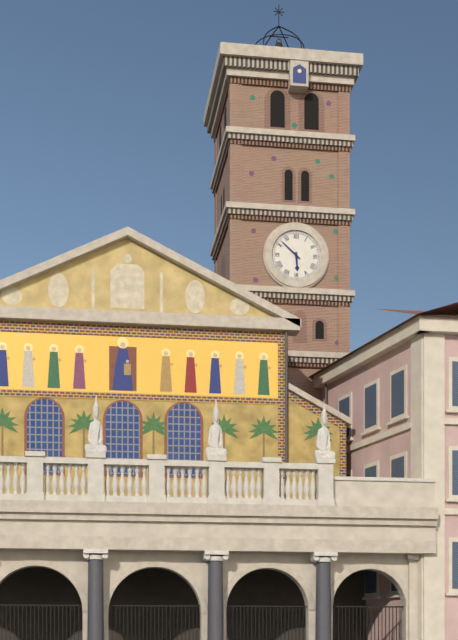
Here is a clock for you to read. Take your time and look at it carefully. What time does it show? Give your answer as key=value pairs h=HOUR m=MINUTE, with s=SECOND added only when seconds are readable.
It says h=5 m=52
